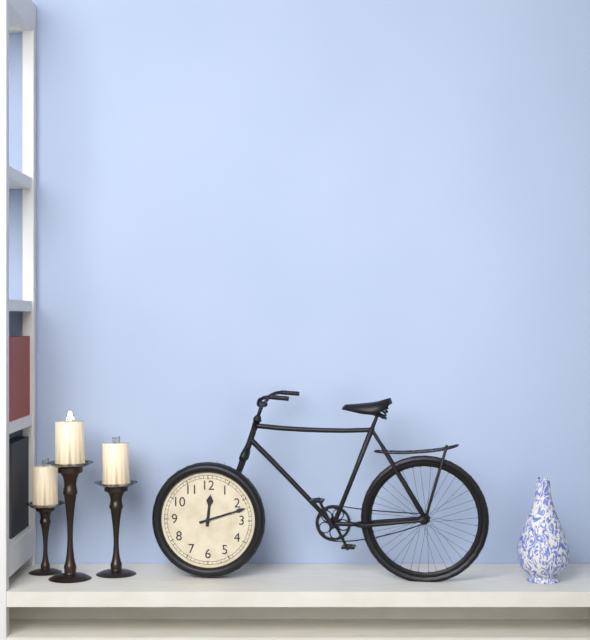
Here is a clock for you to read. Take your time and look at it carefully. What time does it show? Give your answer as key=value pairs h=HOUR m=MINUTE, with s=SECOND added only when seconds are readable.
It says h=12 m=12
